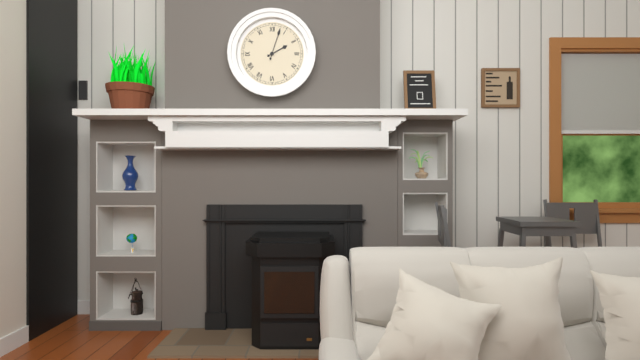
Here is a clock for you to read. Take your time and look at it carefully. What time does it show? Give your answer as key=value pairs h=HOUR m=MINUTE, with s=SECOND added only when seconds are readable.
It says h=2 m=3
